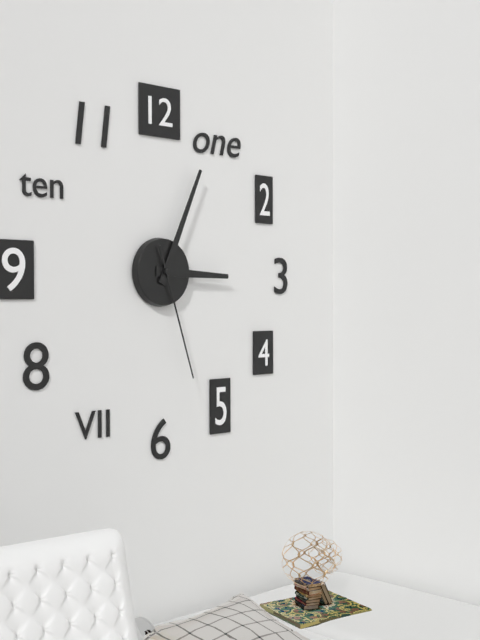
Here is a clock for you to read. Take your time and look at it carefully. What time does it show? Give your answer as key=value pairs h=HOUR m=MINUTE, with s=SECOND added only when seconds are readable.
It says h=3 m=4 s=27
